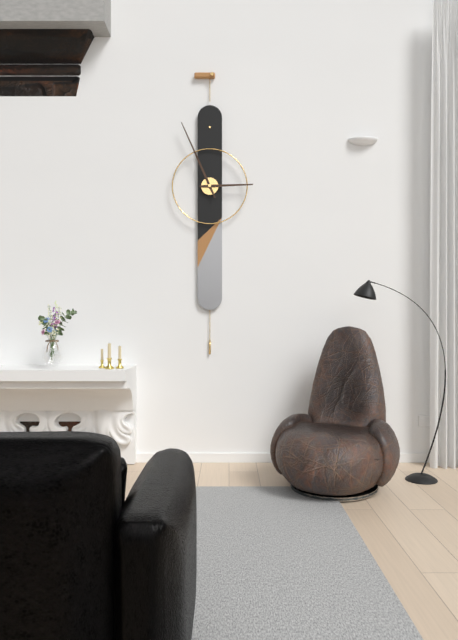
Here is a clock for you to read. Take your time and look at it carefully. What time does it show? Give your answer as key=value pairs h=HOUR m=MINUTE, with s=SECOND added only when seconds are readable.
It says h=2 m=56
